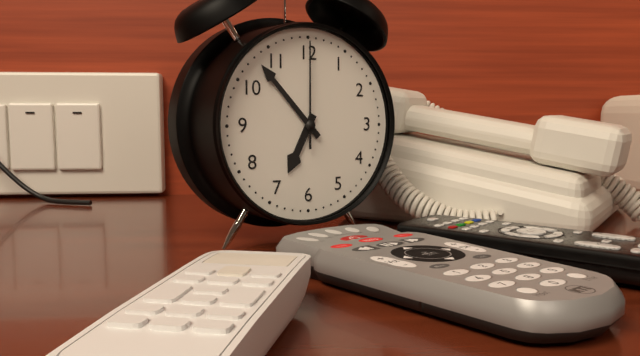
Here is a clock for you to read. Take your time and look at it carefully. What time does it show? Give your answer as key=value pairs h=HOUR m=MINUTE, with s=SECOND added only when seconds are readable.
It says h=6 m=53 s=0
